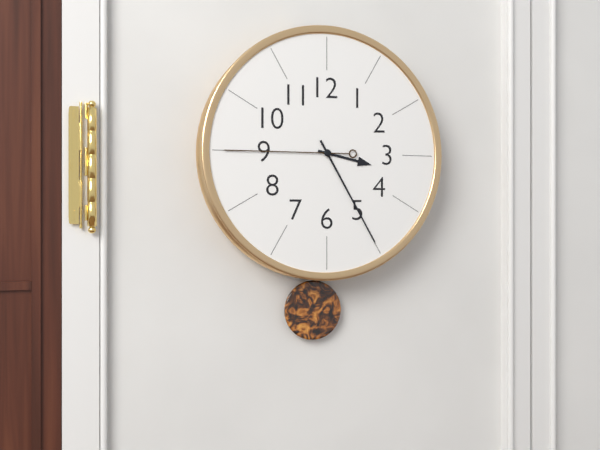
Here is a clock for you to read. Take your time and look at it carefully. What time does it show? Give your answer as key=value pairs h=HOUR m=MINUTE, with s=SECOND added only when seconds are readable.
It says h=3 m=25 s=45
